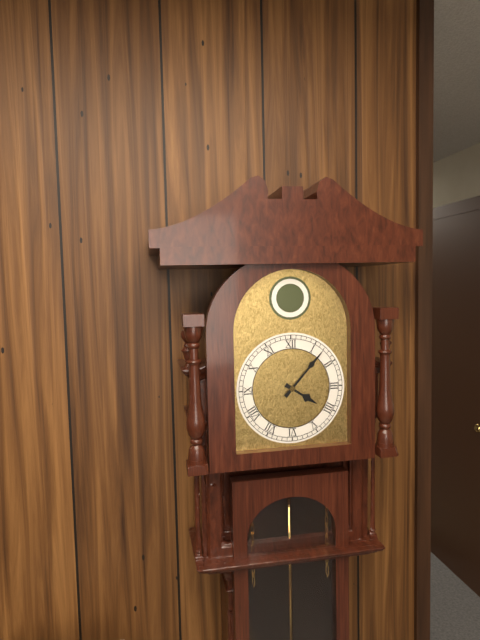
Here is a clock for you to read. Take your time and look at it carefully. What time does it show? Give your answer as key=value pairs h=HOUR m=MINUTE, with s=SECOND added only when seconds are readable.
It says h=4 m=7
